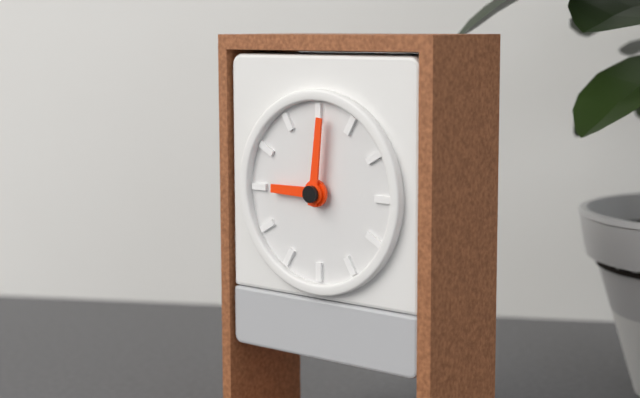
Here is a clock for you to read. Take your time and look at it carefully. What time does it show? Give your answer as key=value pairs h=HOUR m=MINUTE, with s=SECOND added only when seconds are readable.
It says h=9 m=1
